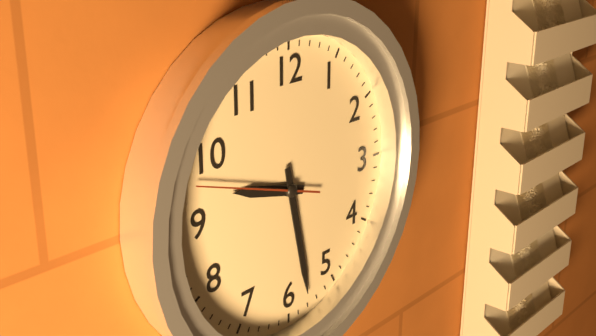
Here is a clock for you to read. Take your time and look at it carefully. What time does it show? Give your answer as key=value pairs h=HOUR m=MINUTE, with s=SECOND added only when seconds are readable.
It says h=9 m=28 s=48
